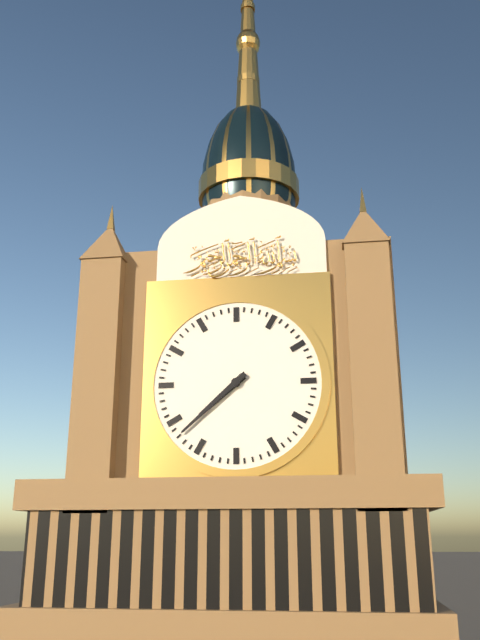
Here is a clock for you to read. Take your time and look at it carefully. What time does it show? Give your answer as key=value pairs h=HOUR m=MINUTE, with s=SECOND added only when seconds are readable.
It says h=7 m=38
